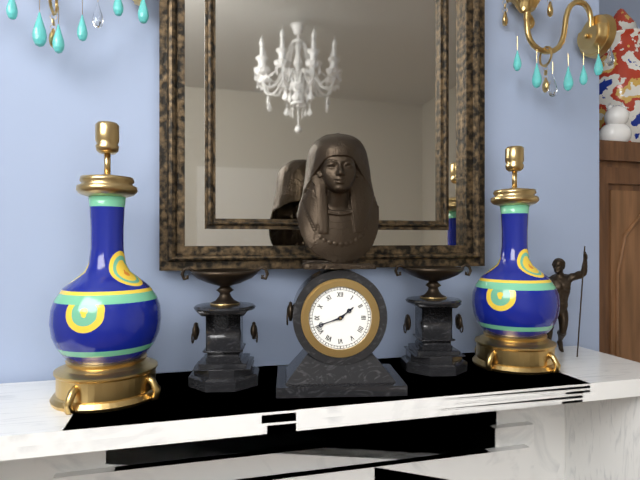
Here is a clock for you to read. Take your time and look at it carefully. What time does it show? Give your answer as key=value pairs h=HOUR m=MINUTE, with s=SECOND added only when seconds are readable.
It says h=1 m=42
